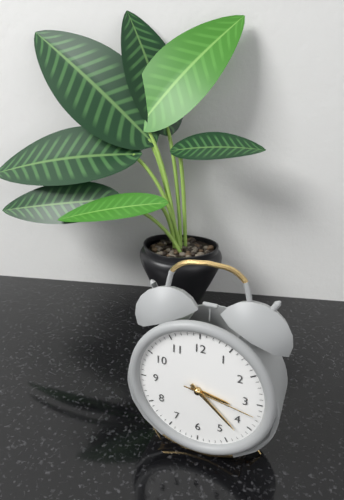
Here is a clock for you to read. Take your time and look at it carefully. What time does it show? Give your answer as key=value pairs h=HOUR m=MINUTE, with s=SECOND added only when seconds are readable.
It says h=3 m=22 s=17
